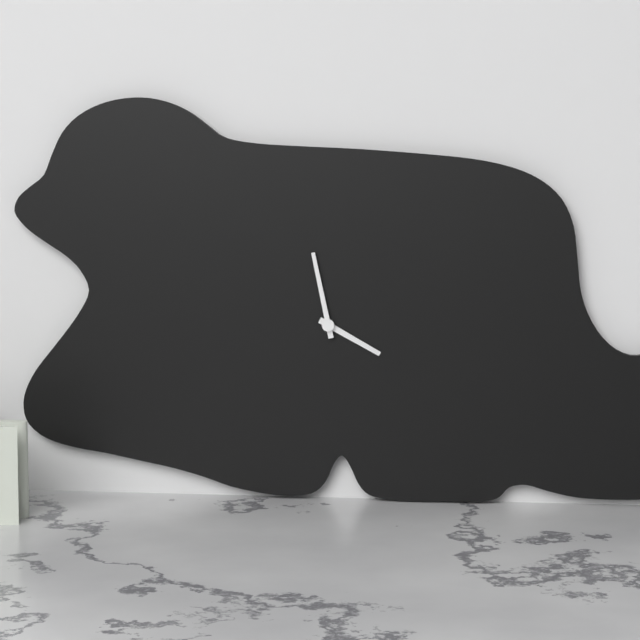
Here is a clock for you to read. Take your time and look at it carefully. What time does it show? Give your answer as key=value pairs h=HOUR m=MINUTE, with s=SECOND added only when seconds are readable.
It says h=3 m=58
